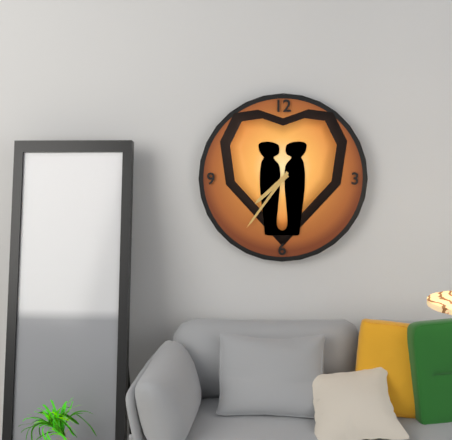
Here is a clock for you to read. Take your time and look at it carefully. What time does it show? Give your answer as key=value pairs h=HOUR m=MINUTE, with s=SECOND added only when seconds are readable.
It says h=7 m=36
